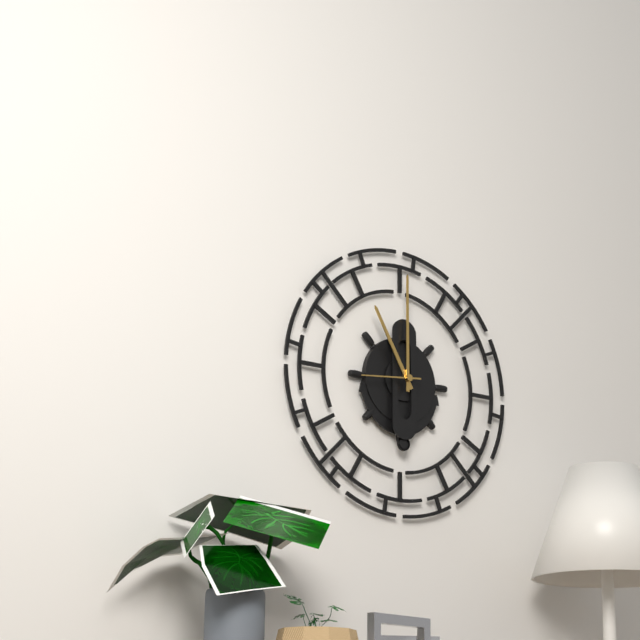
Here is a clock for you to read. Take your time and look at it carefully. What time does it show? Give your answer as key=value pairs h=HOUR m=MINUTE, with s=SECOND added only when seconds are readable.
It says h=11 m=0 s=44
